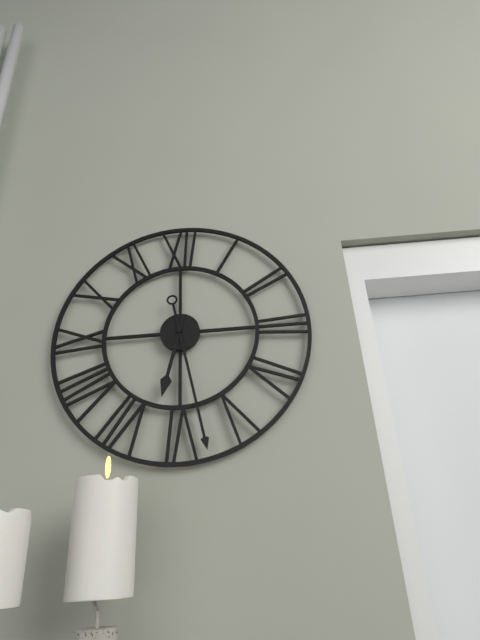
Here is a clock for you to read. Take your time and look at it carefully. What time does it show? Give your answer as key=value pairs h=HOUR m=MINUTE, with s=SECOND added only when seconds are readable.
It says h=6 m=28
